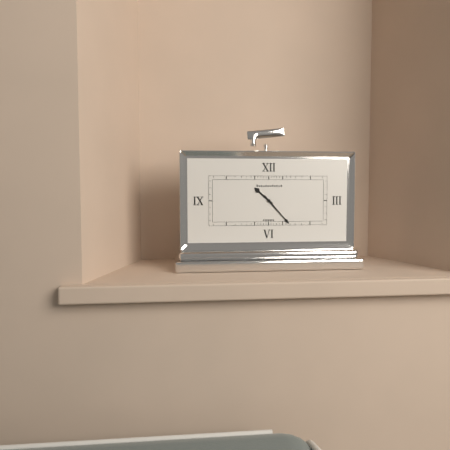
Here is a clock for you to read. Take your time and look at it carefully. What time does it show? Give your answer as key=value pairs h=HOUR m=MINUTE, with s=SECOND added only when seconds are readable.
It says h=10 m=23
